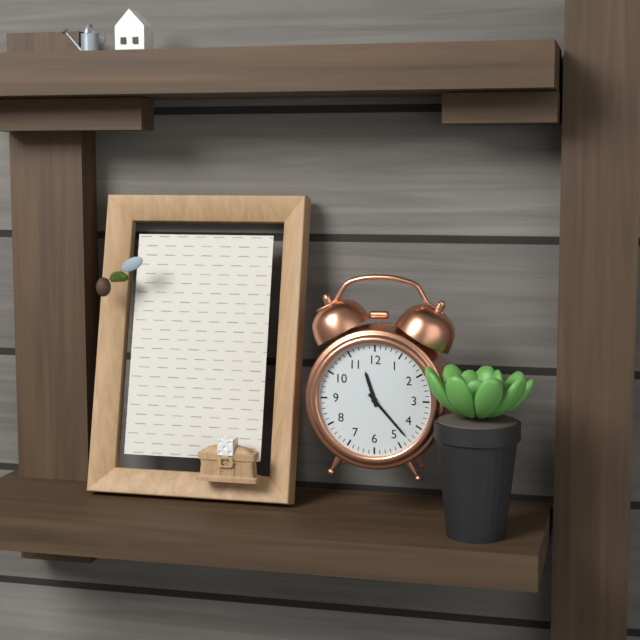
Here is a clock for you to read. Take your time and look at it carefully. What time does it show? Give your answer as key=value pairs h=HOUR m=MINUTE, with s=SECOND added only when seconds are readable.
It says h=11 m=23
